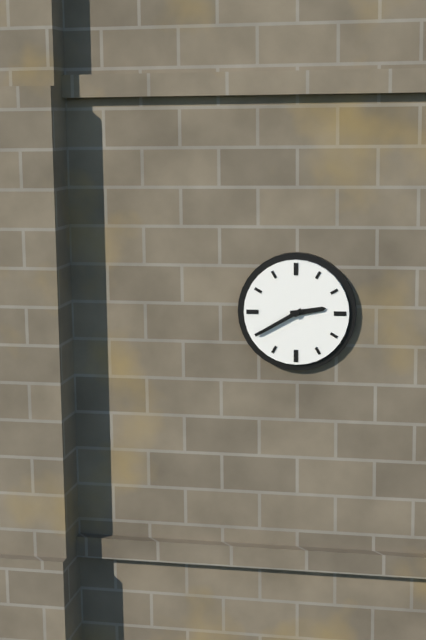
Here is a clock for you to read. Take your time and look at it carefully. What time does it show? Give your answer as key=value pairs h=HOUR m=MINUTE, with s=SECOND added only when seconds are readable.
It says h=2 m=40
